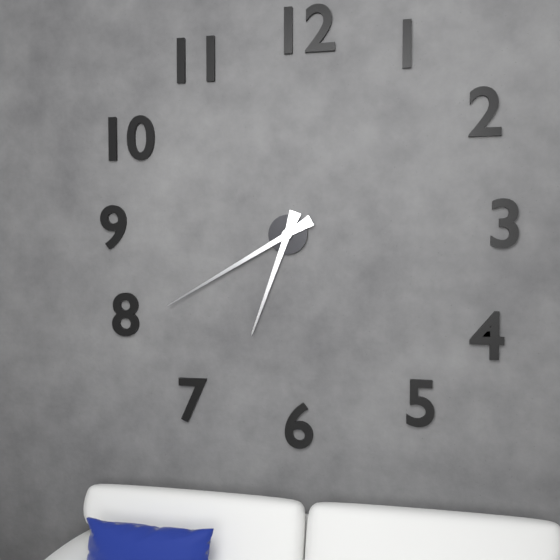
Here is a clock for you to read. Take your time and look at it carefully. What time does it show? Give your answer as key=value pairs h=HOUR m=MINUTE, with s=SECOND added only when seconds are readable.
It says h=6 m=40
